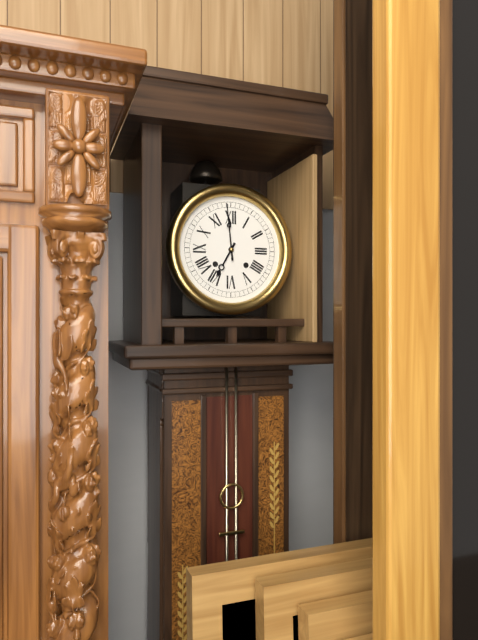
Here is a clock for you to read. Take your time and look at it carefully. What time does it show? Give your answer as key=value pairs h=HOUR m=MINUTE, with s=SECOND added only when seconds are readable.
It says h=6 m=59
